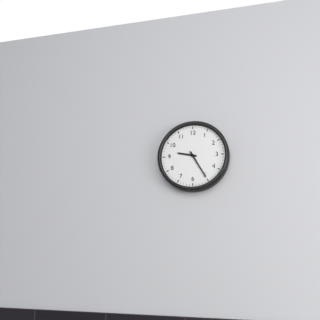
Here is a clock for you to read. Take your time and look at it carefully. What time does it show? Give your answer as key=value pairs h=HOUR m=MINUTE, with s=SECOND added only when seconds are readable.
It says h=9 m=25
